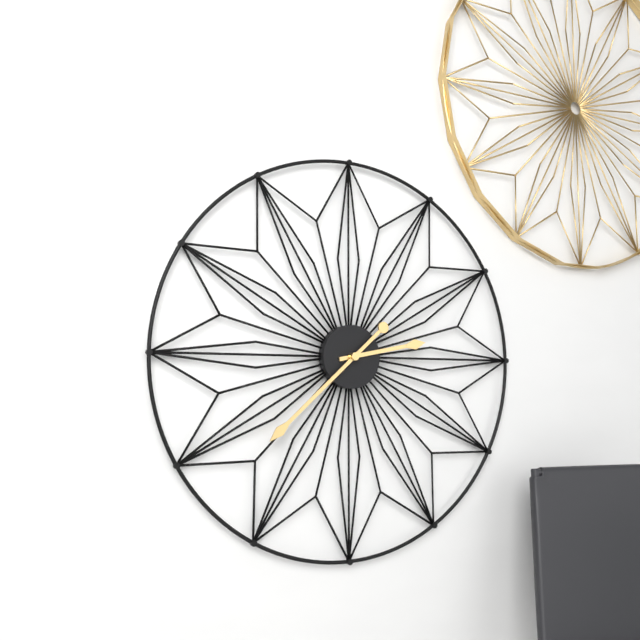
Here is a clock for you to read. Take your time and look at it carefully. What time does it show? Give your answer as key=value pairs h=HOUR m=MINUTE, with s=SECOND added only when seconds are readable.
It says h=2 m=38
